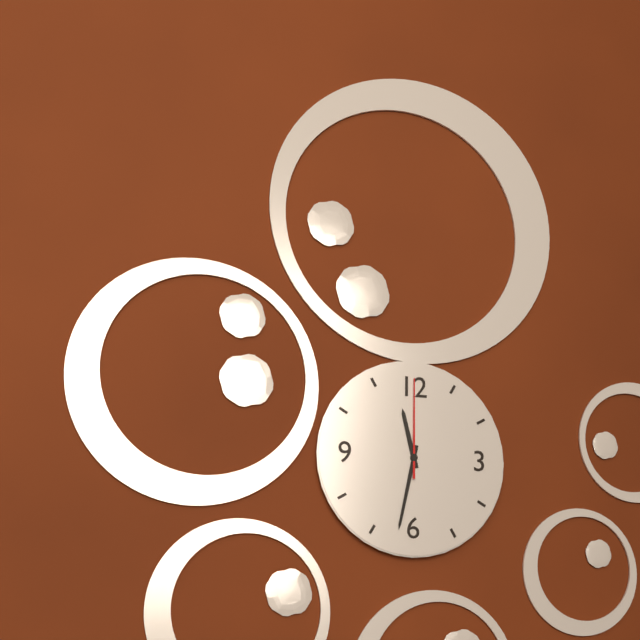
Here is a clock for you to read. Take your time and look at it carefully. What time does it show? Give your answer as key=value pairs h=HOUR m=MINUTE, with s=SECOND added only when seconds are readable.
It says h=11 m=32 s=0
